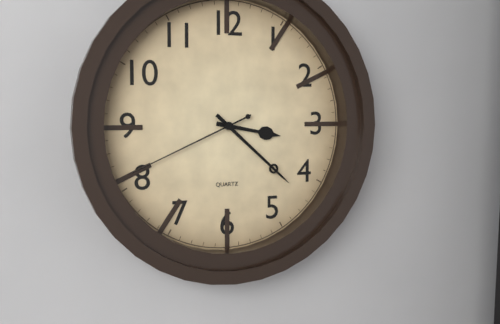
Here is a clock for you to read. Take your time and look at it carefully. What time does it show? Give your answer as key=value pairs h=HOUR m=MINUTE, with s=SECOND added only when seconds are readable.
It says h=3 m=22 s=41
